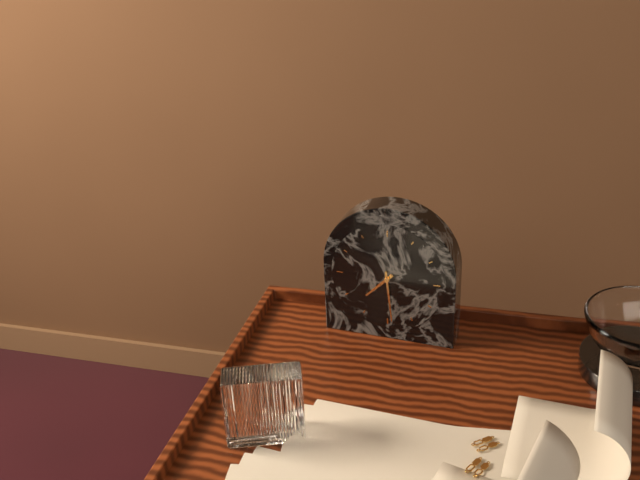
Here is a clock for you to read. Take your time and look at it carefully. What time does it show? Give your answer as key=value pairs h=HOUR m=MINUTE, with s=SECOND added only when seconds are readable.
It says h=7 m=29
